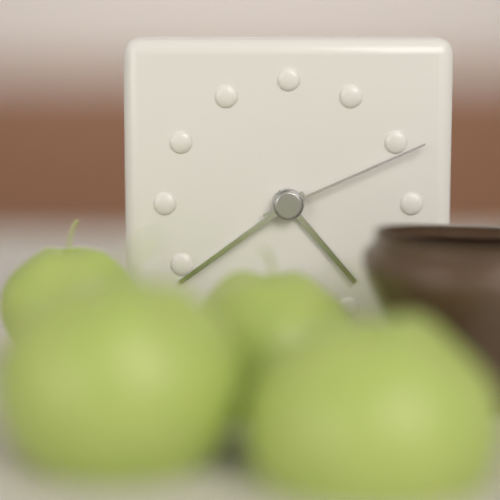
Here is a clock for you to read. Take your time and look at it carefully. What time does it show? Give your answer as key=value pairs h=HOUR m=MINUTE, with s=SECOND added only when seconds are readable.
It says h=4 m=39 s=11
